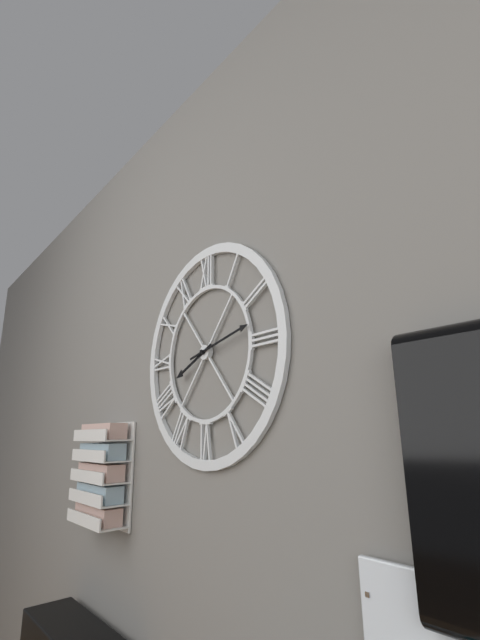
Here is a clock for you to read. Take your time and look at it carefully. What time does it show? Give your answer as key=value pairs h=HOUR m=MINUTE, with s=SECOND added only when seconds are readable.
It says h=8 m=13
